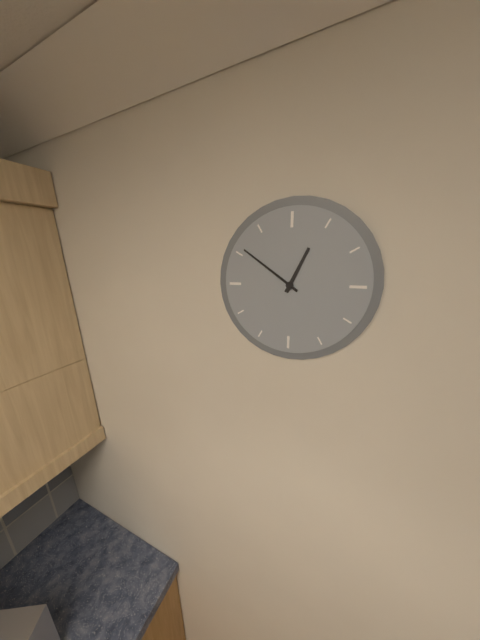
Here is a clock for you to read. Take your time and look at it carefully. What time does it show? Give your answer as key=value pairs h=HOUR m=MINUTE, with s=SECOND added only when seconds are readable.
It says h=12 m=51
